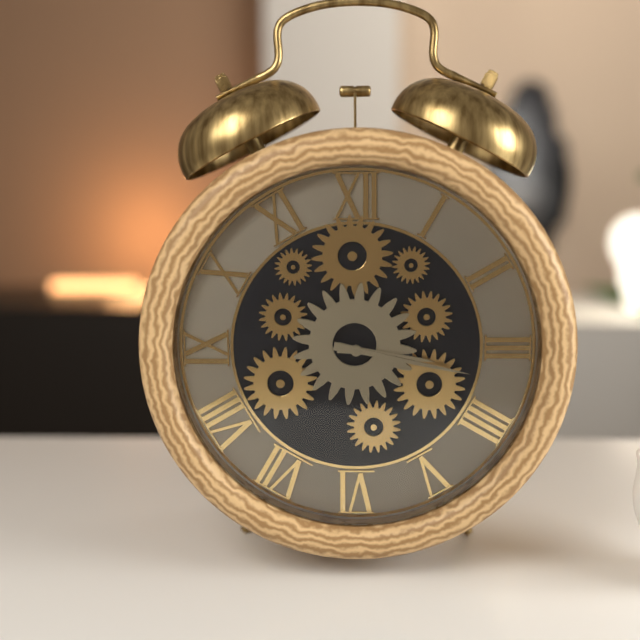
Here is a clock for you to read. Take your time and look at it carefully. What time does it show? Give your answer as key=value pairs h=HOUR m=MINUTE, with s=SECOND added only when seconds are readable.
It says h=3 m=17
